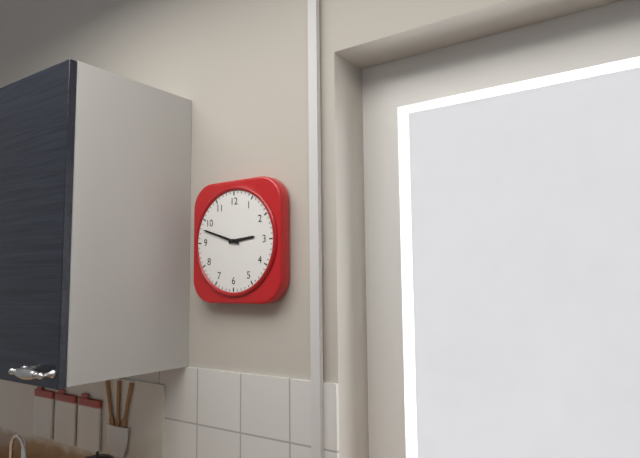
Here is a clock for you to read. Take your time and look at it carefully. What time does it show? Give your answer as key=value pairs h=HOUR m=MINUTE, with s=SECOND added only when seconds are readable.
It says h=2 m=48
